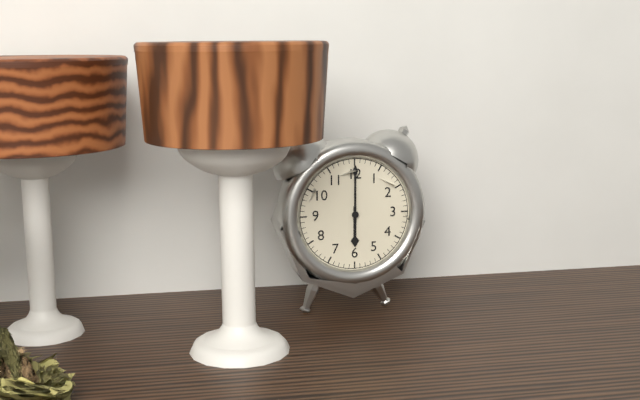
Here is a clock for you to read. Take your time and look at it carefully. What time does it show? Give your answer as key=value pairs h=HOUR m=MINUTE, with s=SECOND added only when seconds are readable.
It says h=6 m=0
